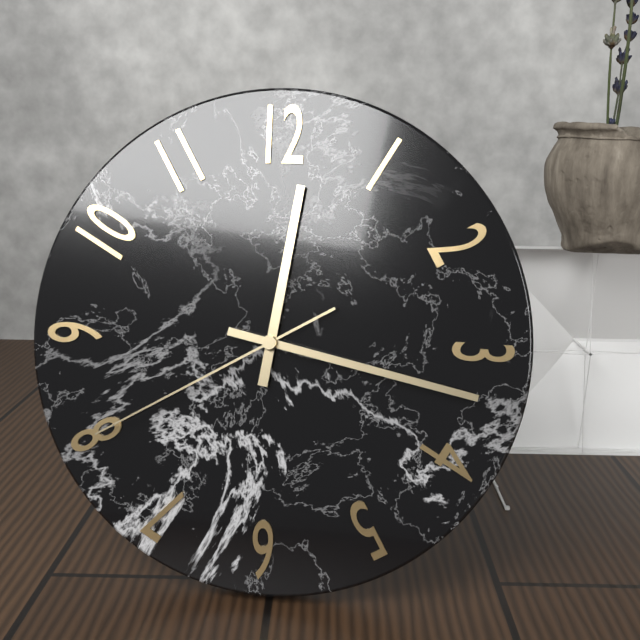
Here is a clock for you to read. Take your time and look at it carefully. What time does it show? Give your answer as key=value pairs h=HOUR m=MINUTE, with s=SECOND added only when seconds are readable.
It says h=12 m=17 s=40
